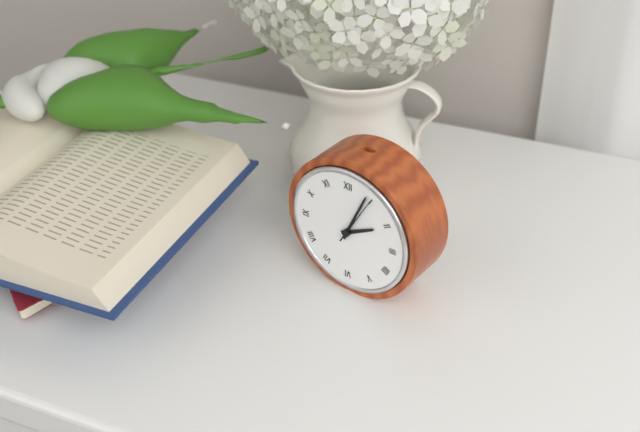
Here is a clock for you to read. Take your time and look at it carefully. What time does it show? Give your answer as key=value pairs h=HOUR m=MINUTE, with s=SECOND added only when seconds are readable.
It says h=2 m=4 s=5
